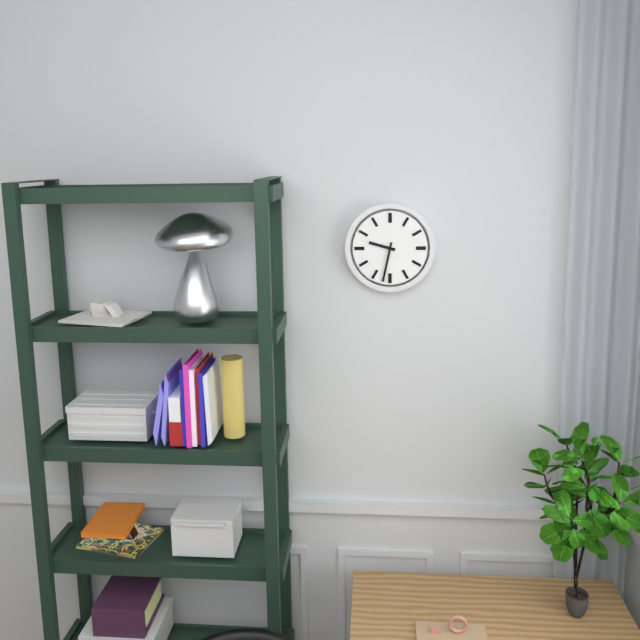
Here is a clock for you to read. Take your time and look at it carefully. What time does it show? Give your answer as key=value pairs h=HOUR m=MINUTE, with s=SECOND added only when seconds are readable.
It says h=9 m=32
